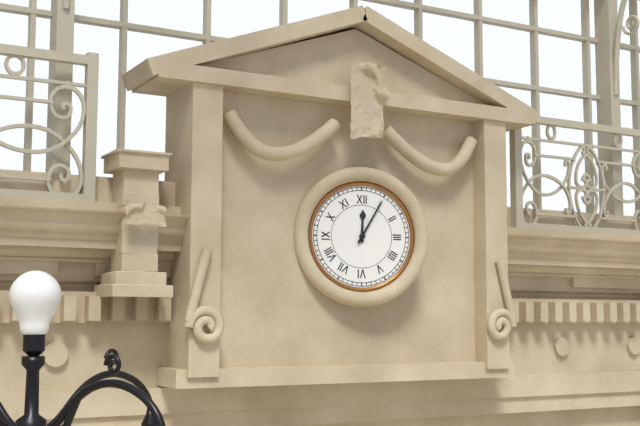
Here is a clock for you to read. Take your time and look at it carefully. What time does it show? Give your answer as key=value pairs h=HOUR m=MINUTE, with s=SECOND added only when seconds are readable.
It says h=12 m=5
